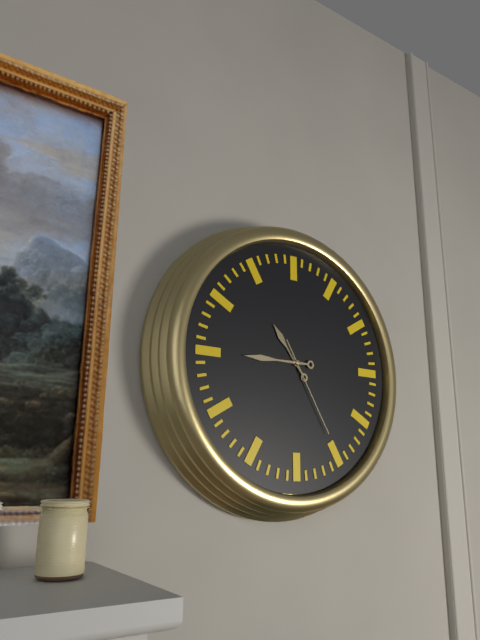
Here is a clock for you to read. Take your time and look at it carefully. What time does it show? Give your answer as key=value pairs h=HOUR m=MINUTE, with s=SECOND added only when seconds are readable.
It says h=10 m=45 s=25
